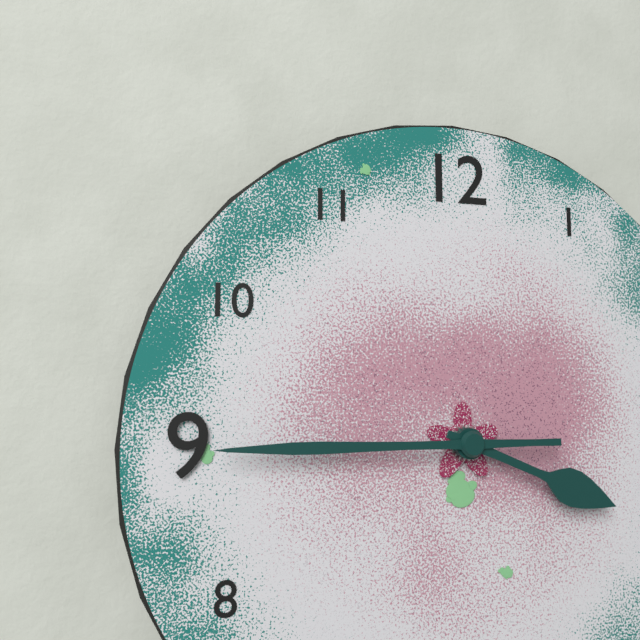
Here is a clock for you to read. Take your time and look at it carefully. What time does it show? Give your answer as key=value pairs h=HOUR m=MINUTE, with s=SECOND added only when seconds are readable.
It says h=3 m=45
